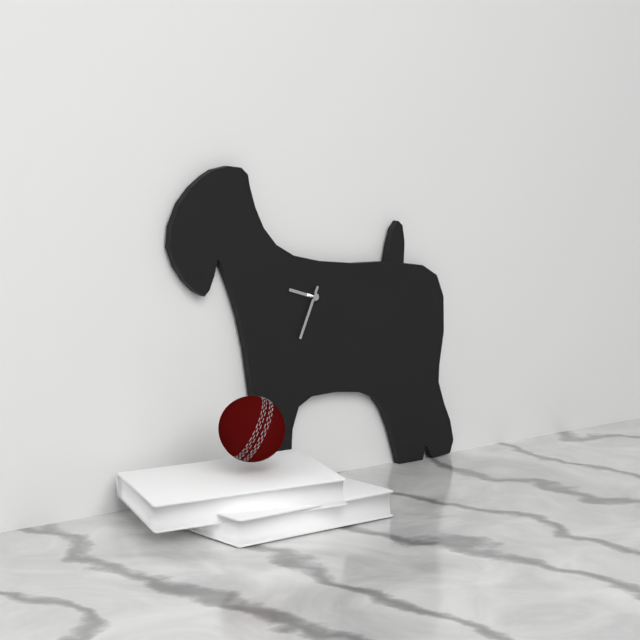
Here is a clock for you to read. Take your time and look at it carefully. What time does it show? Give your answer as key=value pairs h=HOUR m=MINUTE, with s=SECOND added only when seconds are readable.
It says h=9 m=34
